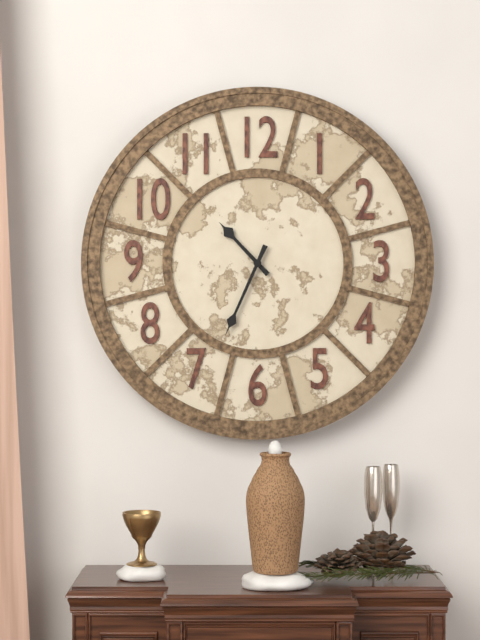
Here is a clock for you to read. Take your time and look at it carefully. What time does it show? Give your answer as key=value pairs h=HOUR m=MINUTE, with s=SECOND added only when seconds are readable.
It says h=10 m=34
